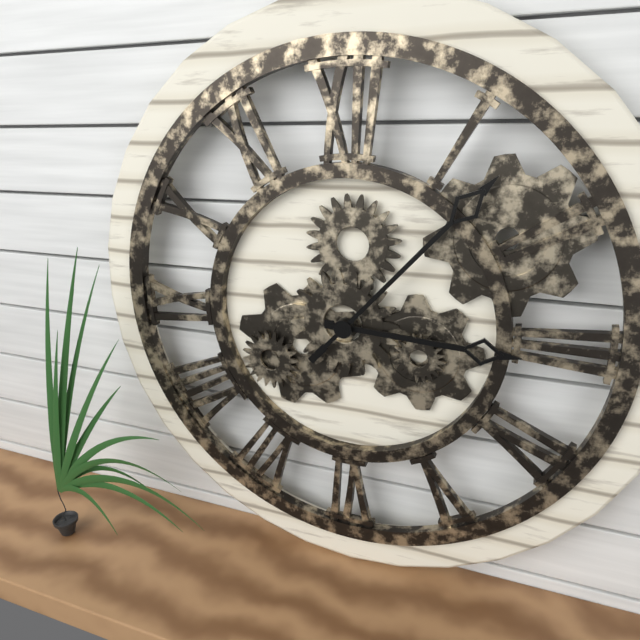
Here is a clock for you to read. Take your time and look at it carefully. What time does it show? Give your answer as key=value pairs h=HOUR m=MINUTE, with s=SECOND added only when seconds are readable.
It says h=3 m=7
